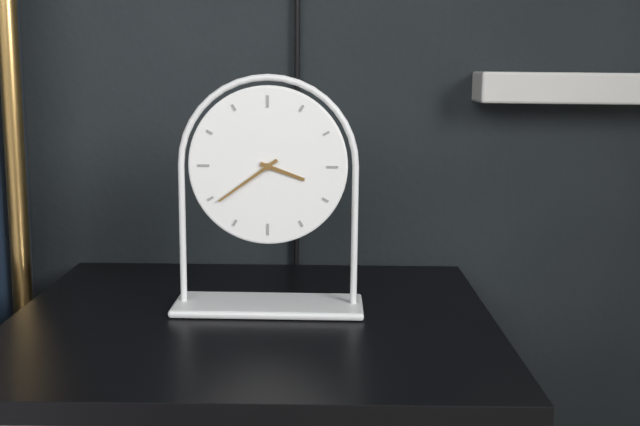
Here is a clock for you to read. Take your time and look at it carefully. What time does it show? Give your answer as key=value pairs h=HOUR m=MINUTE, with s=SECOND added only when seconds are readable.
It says h=3 m=39
